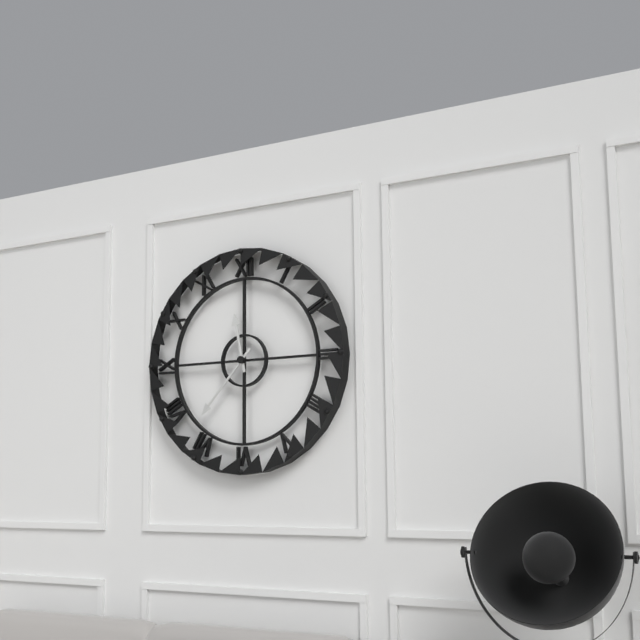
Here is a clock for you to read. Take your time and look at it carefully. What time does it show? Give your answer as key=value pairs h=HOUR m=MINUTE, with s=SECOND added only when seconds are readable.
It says h=11 m=37
